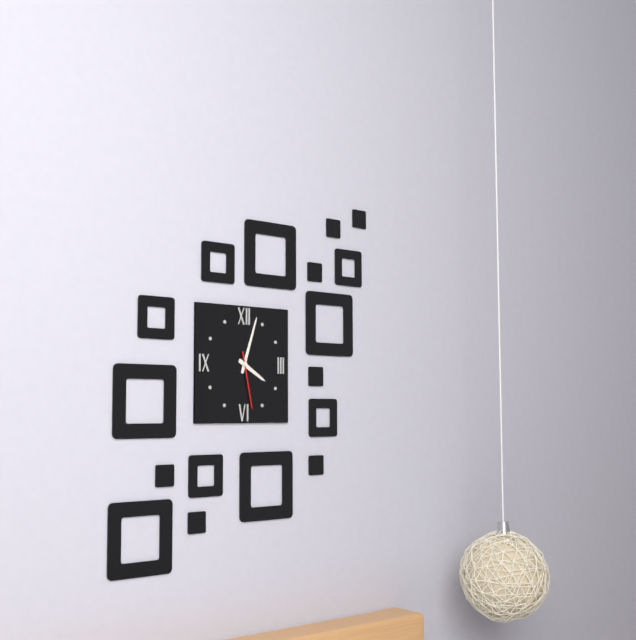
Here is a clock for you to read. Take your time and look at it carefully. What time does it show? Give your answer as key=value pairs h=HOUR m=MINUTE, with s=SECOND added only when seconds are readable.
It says h=4 m=3 s=28
